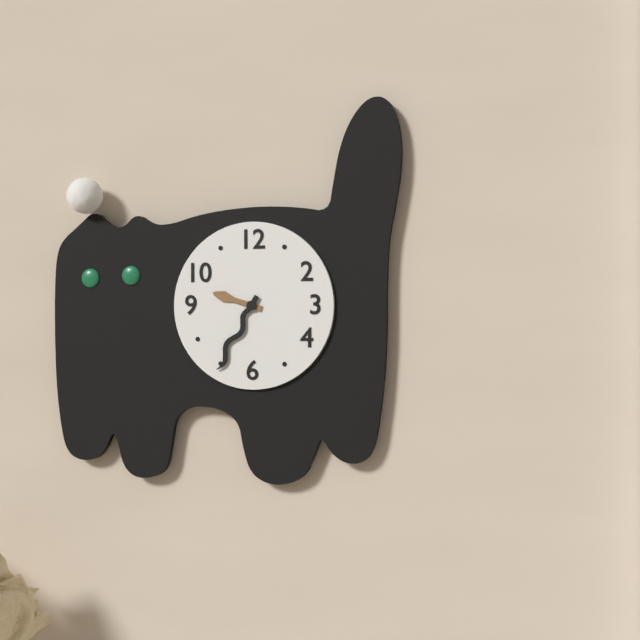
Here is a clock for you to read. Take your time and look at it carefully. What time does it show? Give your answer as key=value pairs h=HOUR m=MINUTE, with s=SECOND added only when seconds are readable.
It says h=9 m=35
